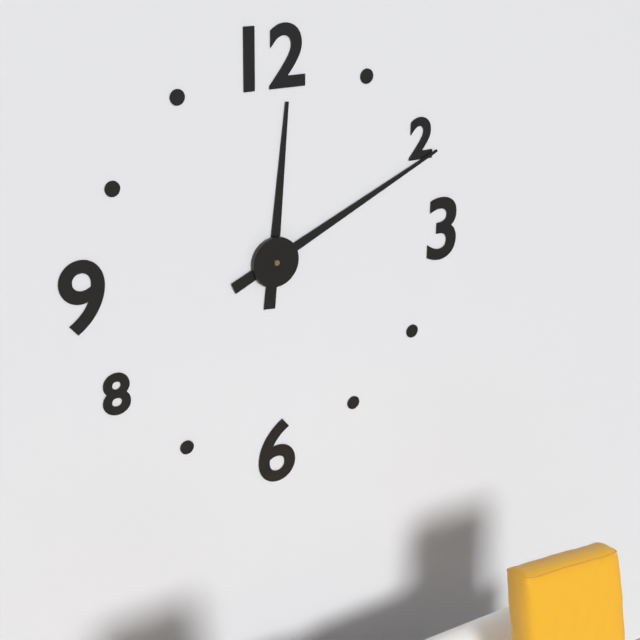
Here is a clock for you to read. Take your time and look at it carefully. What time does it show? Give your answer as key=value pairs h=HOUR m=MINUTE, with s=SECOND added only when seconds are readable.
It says h=12 m=11
